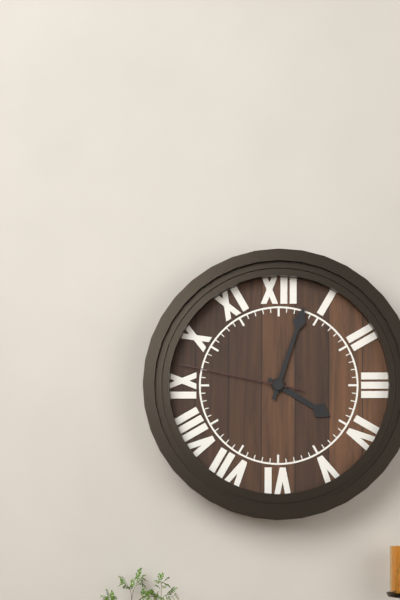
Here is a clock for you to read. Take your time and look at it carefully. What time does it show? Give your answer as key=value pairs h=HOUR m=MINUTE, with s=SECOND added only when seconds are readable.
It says h=4 m=3 s=47
